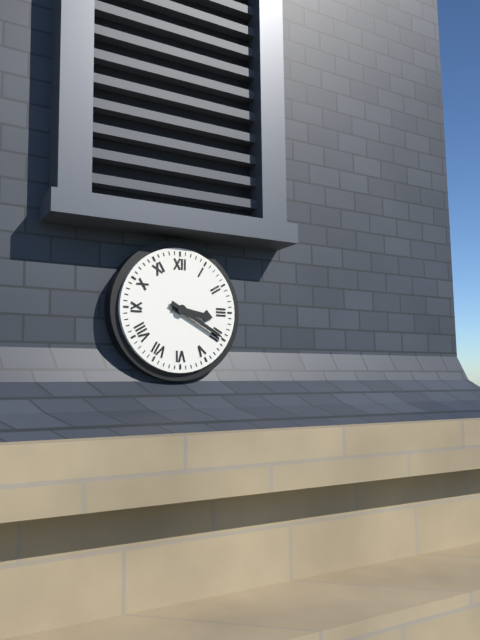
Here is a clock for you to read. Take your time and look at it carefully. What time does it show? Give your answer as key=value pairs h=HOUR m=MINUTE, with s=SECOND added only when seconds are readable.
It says h=3 m=20
